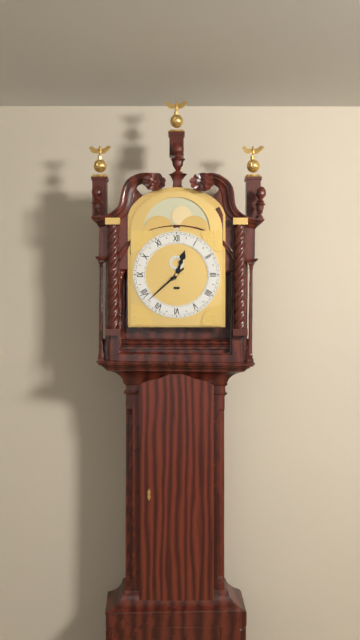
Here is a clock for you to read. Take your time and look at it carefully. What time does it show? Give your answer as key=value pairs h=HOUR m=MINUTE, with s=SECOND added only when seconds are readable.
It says h=12 m=38
